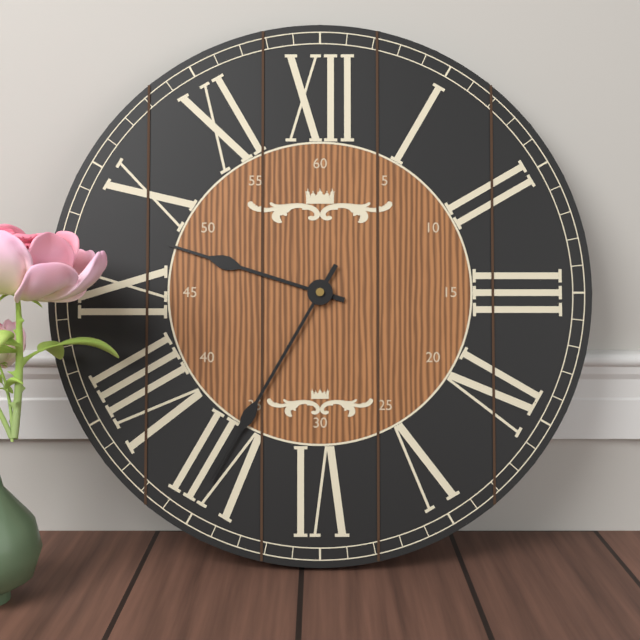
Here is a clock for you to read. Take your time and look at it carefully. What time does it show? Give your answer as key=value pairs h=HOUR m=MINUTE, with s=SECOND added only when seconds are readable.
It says h=9 m=35
